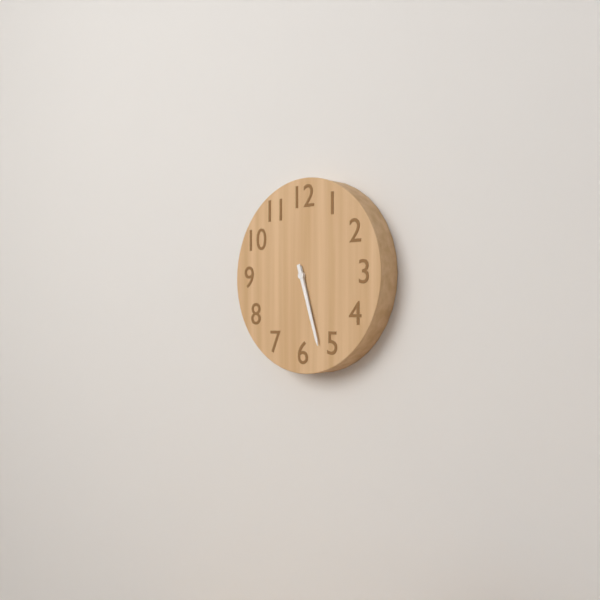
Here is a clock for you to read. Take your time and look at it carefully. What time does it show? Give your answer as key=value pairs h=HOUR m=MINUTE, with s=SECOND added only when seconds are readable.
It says h=5 m=27
